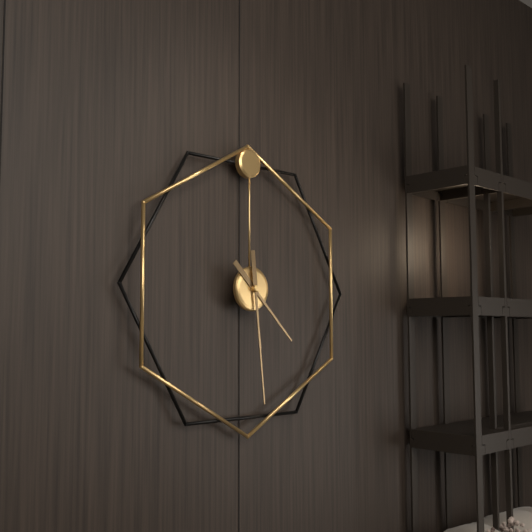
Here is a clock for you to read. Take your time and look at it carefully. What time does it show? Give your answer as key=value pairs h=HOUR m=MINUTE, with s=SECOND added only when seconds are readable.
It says h=4 m=29
